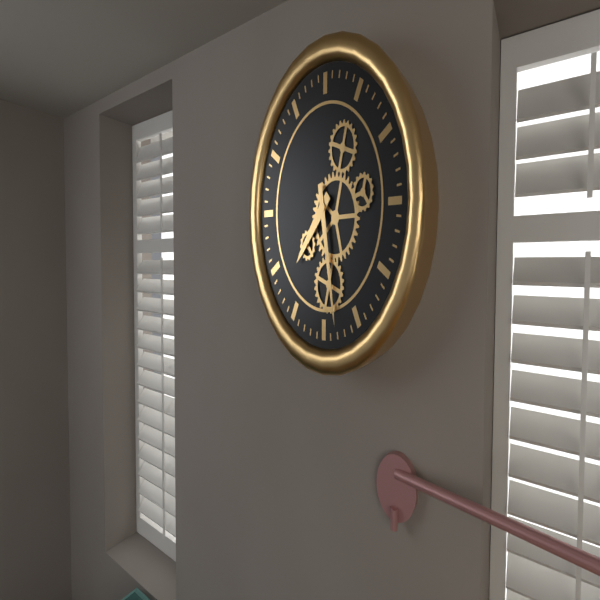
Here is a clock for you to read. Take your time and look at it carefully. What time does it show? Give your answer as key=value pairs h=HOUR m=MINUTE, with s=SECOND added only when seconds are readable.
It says h=7 m=28
